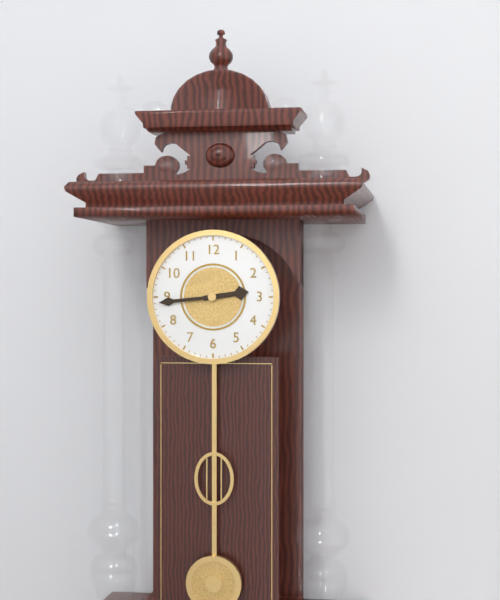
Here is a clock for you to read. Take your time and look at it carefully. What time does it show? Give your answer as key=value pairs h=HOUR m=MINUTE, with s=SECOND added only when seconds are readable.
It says h=2 m=44
